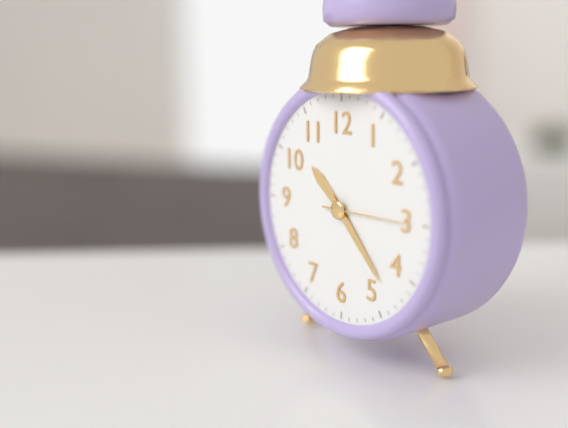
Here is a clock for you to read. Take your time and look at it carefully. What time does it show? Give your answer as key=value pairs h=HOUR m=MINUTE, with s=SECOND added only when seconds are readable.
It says h=10 m=23 s=15
